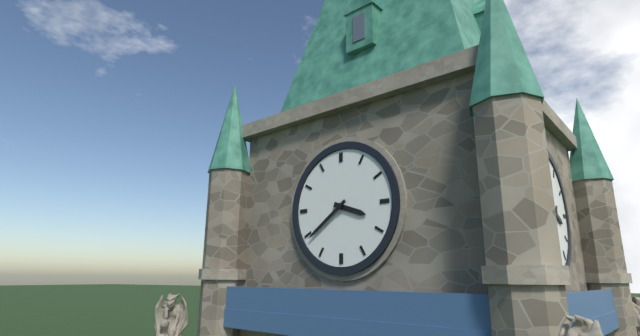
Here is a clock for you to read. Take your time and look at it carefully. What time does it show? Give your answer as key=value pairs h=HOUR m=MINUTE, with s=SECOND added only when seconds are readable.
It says h=3 m=39
